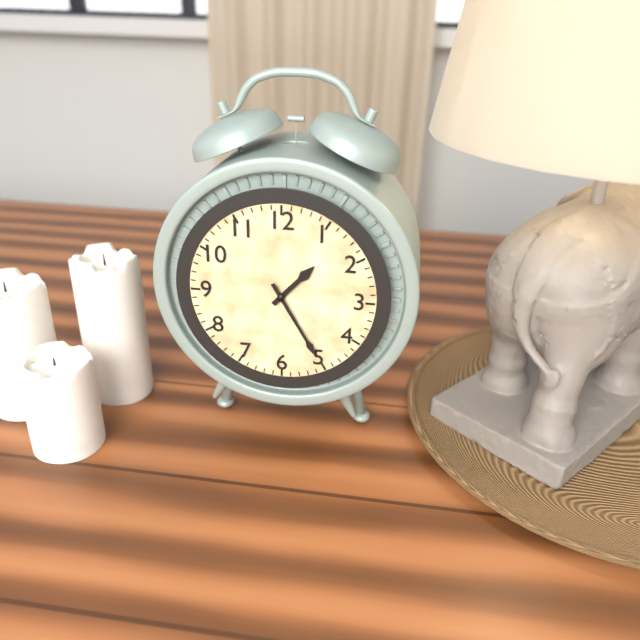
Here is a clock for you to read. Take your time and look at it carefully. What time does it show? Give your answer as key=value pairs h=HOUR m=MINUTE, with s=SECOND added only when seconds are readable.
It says h=1 m=25
